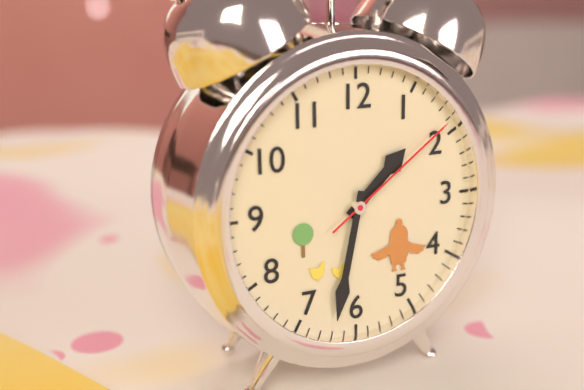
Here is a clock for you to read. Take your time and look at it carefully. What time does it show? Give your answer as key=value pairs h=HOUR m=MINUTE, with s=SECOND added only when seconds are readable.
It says h=1 m=32 s=9
